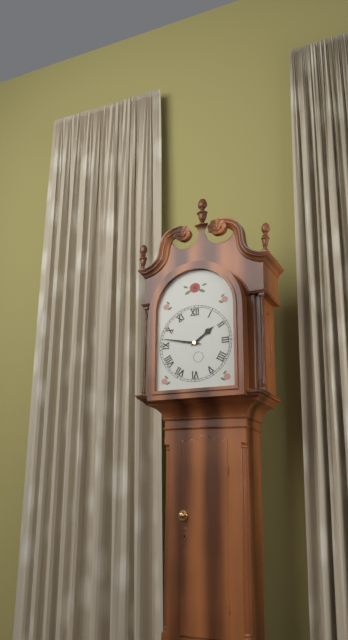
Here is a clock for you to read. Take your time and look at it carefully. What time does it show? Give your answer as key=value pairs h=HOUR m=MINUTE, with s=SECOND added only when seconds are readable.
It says h=1 m=47
